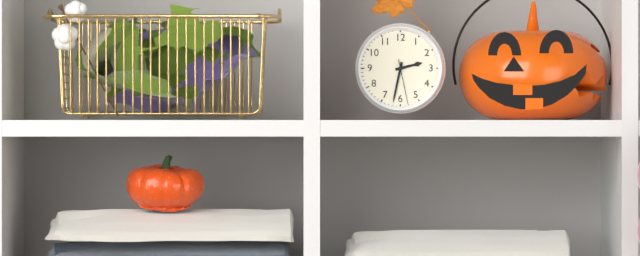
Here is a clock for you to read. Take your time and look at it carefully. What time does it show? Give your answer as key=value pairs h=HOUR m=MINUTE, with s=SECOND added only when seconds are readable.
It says h=2 m=32
